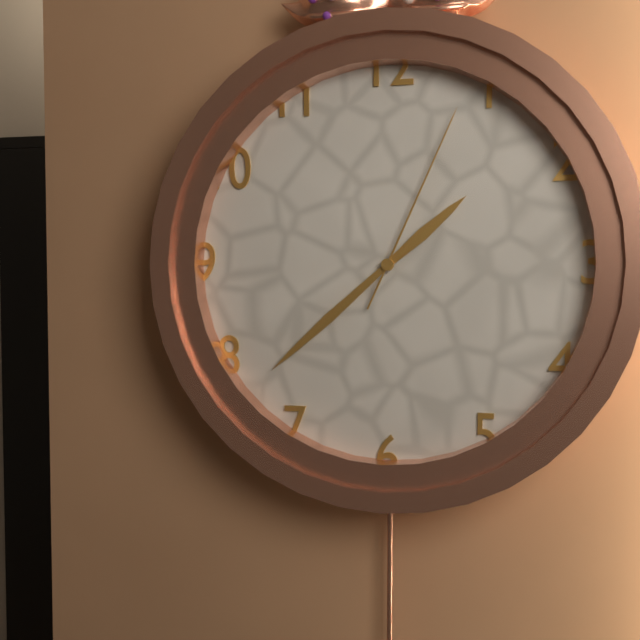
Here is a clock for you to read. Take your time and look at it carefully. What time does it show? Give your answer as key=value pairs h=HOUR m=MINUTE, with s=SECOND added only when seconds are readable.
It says h=1 m=38 s=4
